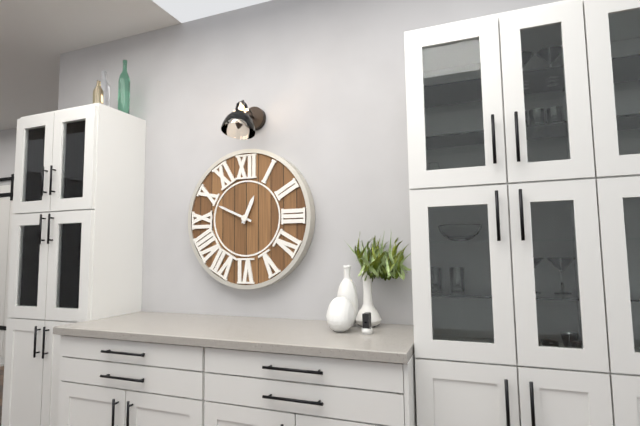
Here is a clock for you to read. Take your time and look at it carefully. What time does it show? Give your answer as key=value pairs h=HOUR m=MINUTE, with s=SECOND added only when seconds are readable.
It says h=12 m=49
